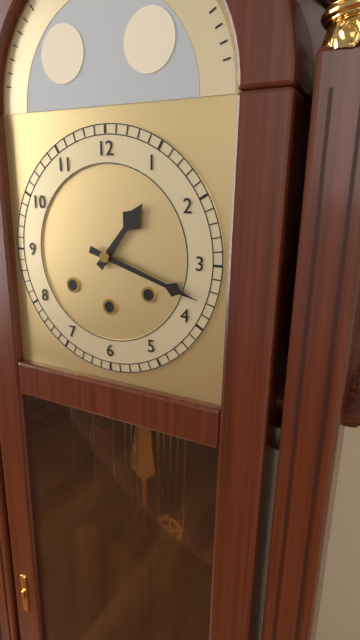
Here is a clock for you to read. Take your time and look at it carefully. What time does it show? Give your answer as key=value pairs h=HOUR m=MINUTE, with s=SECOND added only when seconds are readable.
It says h=1 m=18
